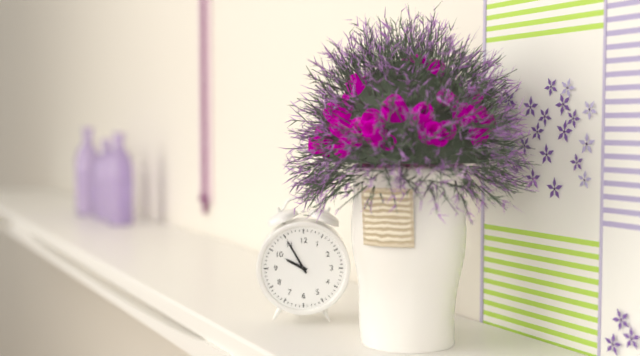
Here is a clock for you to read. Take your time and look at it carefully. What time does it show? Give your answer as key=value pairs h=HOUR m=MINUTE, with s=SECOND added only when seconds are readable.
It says h=9 m=55
